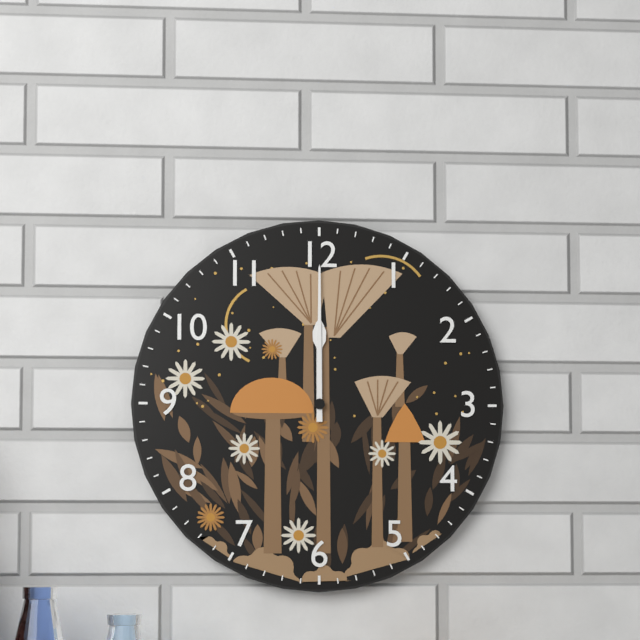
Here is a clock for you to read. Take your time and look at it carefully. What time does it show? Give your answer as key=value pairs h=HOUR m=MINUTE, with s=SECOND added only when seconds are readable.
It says h=12 m=0
